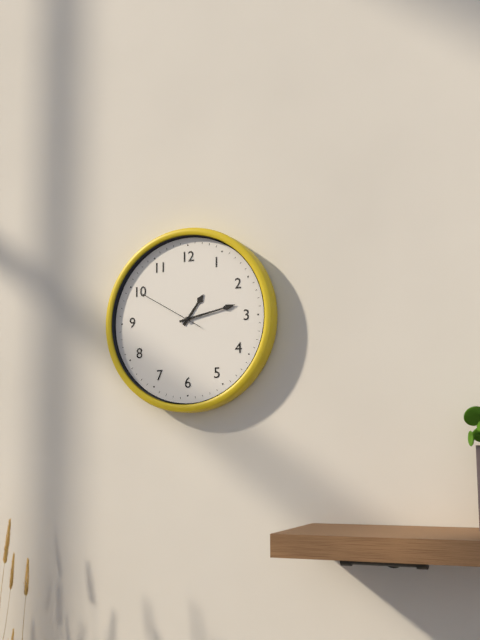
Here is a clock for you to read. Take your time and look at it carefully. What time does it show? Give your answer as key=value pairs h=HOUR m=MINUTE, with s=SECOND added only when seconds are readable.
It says h=1 m=13 s=50
